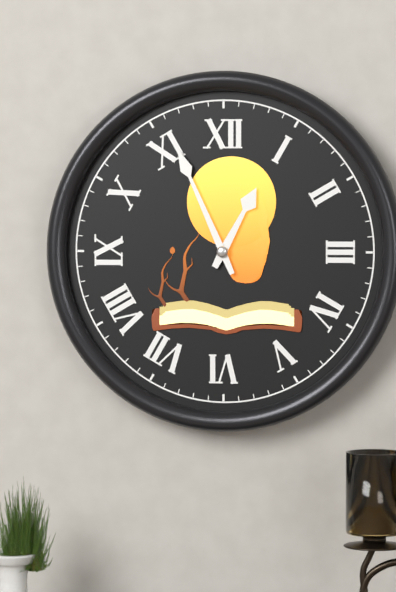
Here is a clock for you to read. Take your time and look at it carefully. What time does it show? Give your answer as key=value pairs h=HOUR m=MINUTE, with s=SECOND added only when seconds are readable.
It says h=12 m=56
